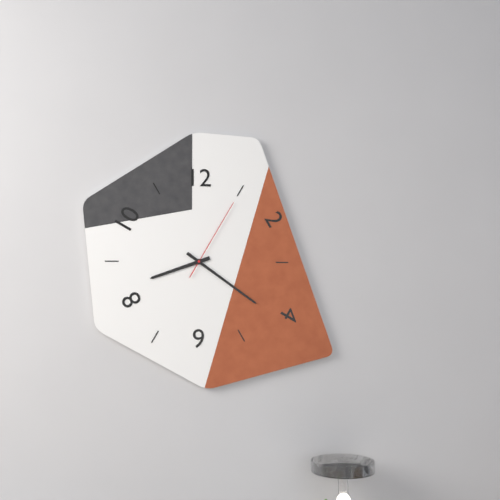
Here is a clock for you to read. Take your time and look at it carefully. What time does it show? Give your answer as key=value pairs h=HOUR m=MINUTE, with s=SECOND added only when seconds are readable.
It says h=8 m=21 s=5
